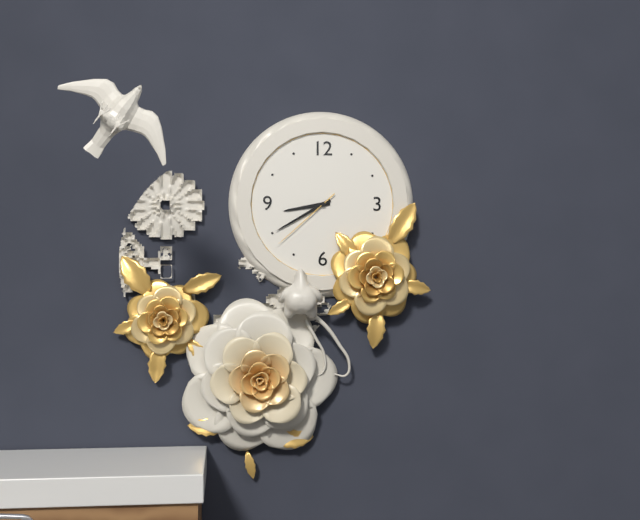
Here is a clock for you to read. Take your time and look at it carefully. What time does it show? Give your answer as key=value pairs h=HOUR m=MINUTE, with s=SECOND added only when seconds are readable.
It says h=8 m=40 s=38
